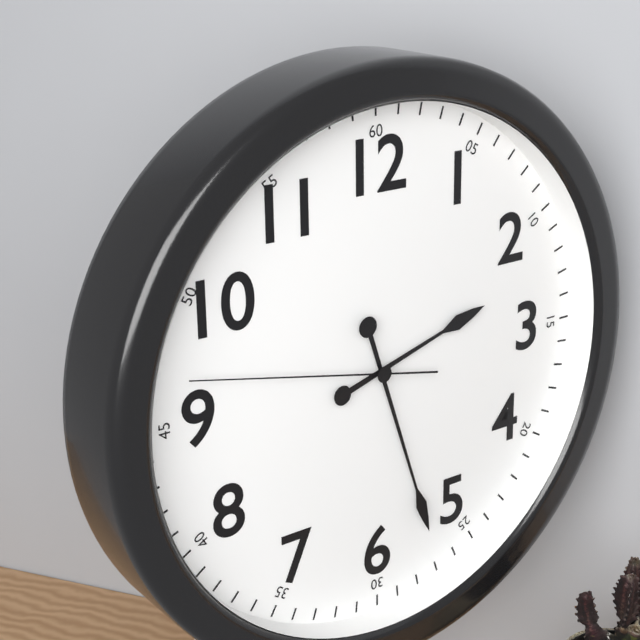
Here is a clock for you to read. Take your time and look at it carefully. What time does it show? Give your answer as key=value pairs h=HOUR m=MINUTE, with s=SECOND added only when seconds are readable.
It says h=2 m=27 s=47
